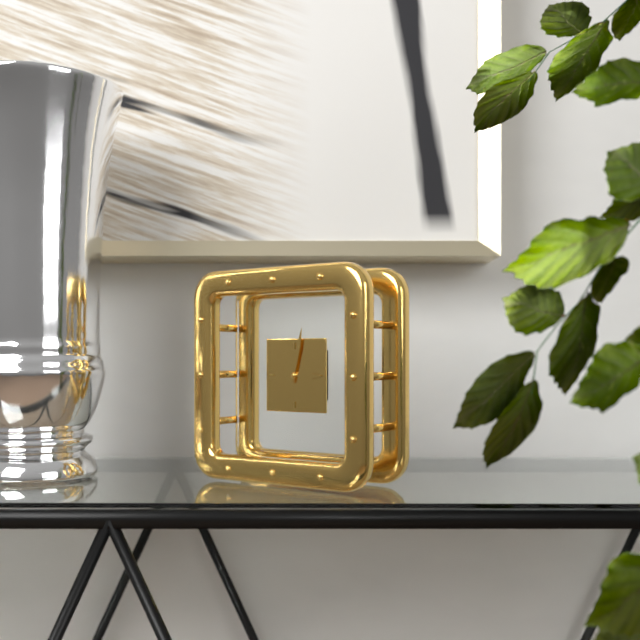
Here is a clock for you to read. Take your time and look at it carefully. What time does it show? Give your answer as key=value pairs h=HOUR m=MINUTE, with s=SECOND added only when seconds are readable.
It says h=3 m=2
